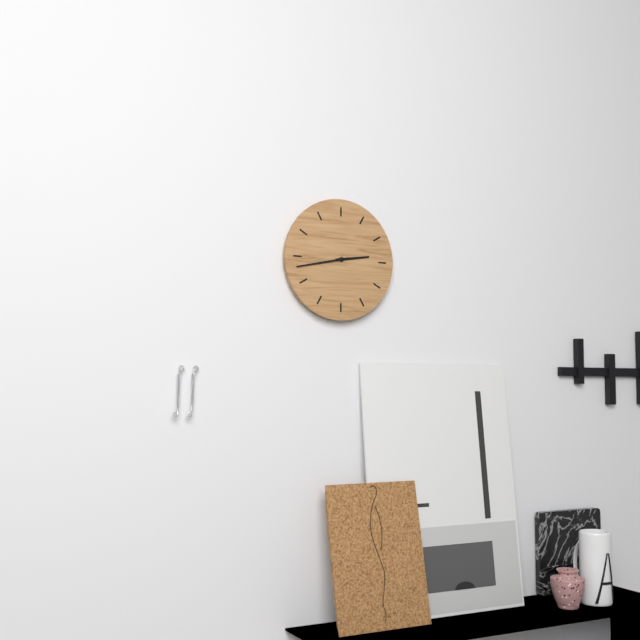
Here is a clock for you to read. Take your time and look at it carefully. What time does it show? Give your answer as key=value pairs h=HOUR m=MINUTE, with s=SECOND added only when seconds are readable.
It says h=2 m=43
